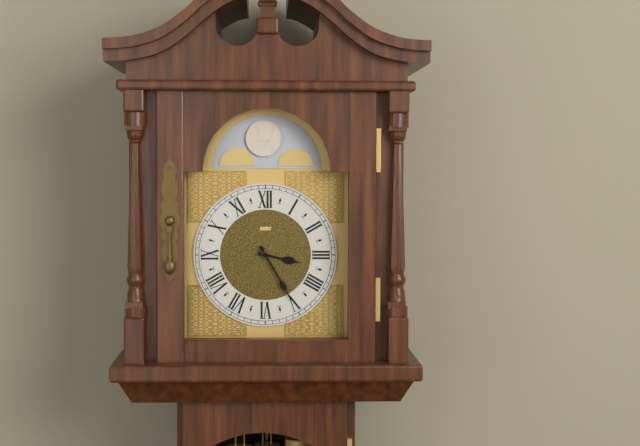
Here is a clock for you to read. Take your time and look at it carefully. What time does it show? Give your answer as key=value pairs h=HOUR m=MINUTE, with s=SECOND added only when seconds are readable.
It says h=3 m=25
